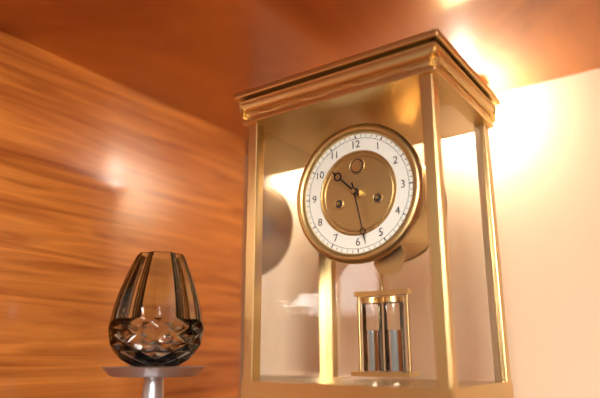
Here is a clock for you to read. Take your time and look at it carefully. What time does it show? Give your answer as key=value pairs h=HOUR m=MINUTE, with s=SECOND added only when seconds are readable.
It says h=10 m=28
